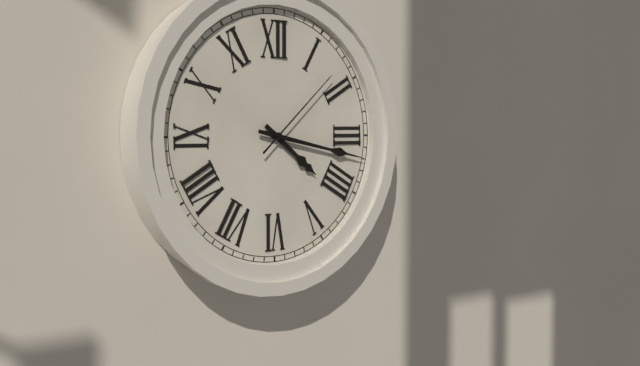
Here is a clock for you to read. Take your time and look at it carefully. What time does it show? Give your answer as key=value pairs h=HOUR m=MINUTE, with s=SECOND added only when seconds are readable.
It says h=4 m=17 s=8
